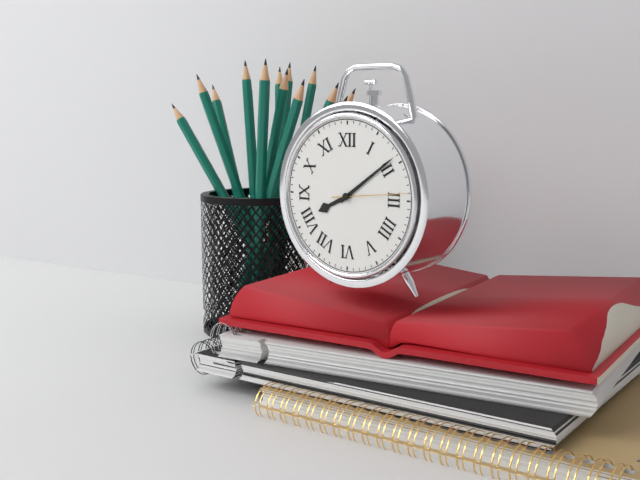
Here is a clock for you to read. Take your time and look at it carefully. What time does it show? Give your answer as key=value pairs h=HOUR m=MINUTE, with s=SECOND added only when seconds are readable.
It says h=8 m=9 s=14
